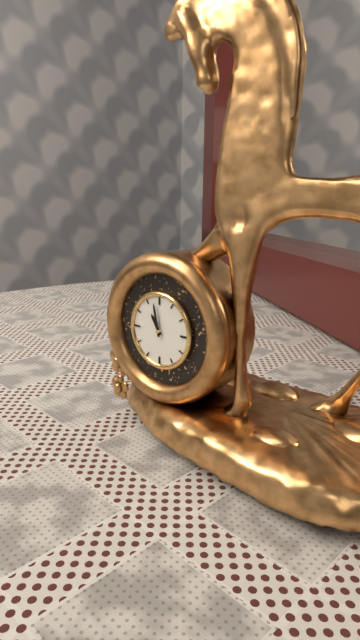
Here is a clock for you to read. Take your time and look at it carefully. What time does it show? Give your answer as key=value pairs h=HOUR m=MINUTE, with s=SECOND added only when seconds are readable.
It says h=10 m=58
